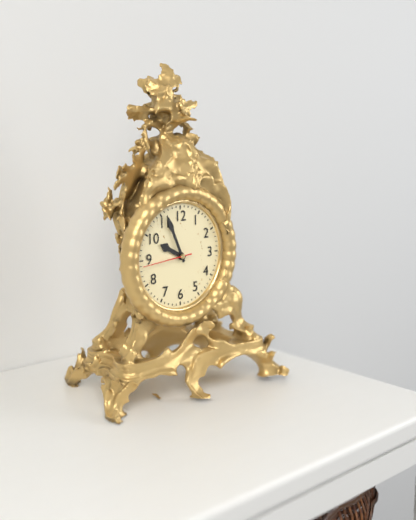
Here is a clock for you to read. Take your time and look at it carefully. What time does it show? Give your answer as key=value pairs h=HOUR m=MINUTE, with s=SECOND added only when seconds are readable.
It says h=9 m=56 s=44
